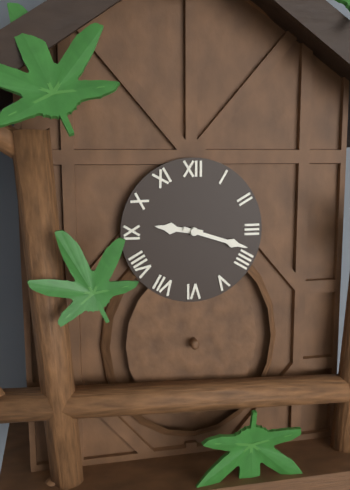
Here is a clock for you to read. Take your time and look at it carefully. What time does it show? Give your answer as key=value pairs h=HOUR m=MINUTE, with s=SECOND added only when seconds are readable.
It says h=9 m=18
